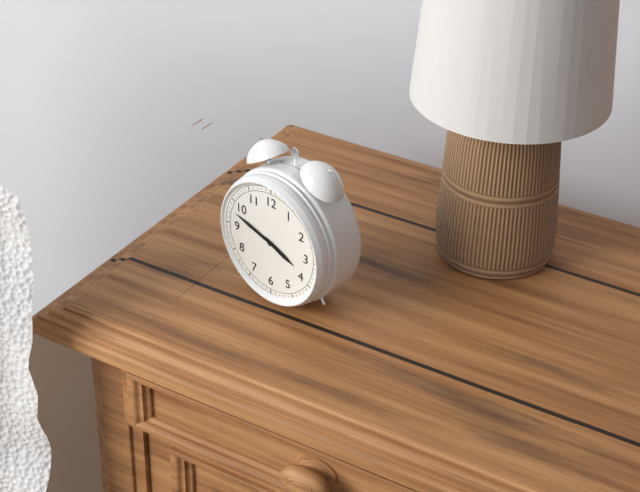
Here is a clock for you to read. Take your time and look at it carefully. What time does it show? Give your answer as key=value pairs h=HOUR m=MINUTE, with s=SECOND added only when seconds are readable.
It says h=3 m=48
